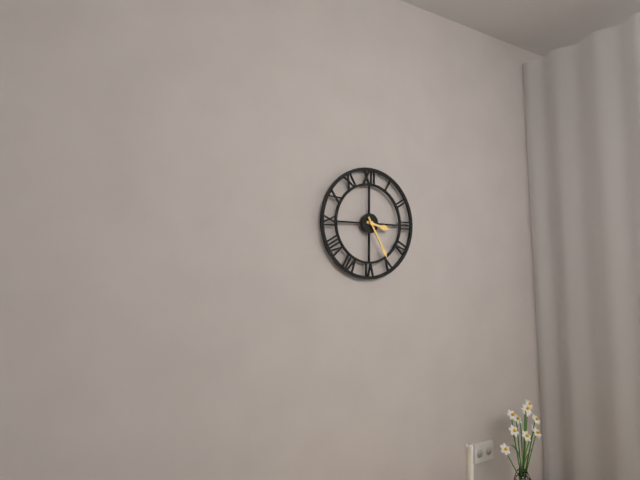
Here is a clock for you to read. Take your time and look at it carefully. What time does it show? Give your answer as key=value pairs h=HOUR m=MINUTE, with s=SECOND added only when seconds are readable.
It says h=3 m=25
